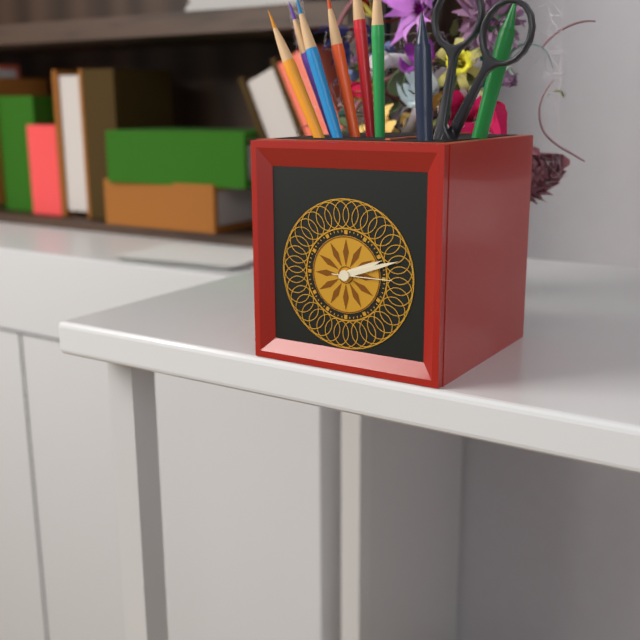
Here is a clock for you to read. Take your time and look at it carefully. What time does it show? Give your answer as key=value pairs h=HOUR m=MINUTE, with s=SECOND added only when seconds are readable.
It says h=2 m=12 s=15
